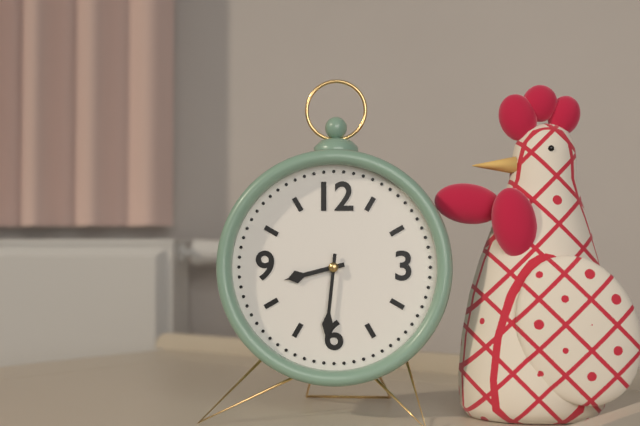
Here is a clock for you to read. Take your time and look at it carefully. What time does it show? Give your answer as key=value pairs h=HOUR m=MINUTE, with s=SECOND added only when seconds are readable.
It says h=8 m=31
